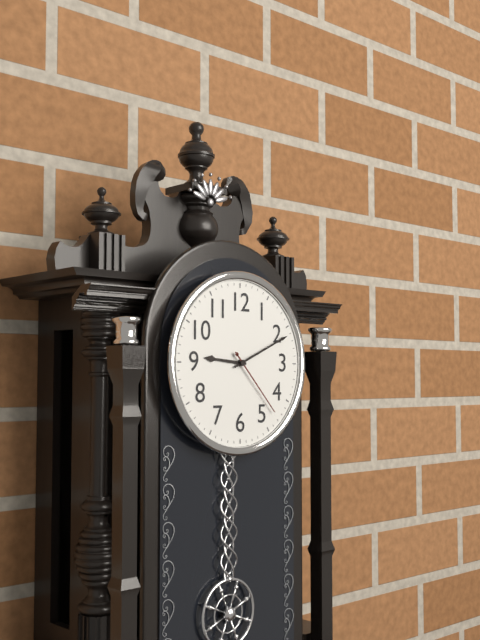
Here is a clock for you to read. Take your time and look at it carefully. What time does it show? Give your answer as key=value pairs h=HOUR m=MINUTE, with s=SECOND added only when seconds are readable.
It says h=9 m=11 s=23
